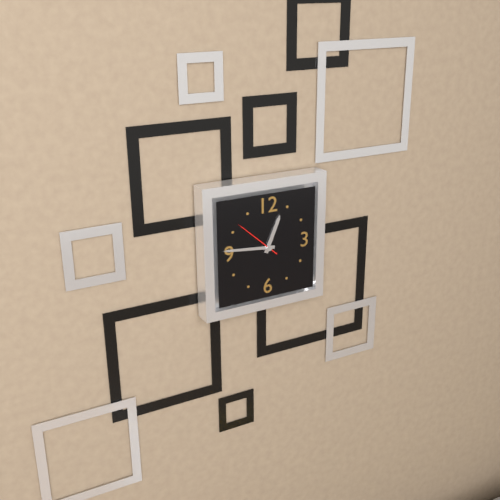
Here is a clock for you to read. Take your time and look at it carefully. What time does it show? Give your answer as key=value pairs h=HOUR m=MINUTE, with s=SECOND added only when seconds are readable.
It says h=12 m=46
